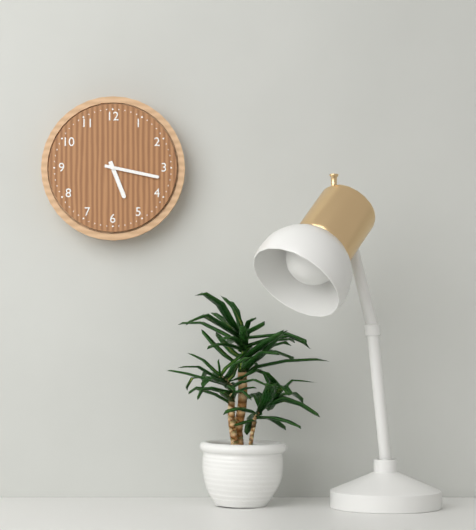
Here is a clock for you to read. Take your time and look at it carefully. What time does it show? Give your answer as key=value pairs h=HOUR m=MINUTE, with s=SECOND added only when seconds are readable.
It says h=5 m=17
